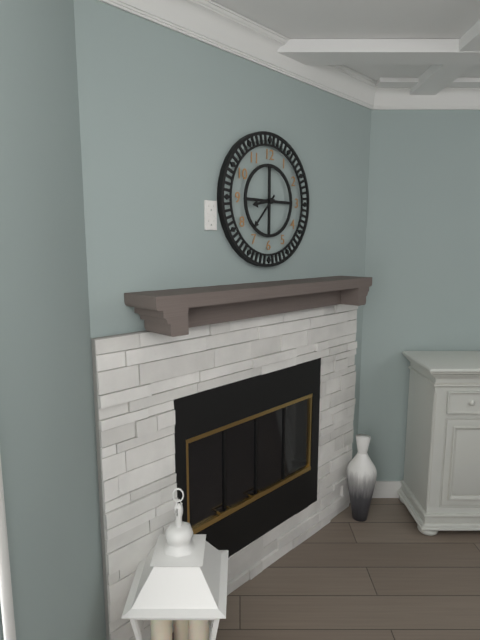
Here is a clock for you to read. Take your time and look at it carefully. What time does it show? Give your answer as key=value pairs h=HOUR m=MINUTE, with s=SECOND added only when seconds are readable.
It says h=8 m=37
